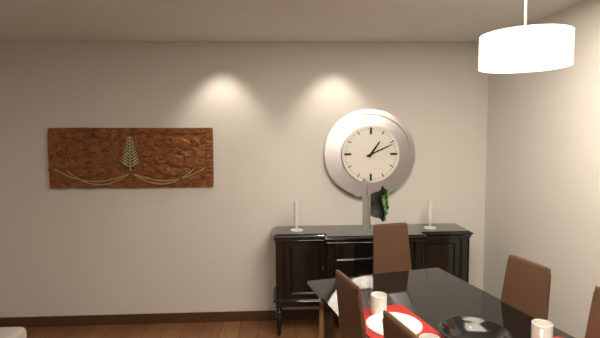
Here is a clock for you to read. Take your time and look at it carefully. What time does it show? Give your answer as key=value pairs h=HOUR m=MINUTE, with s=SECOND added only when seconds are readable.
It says h=1 m=11
